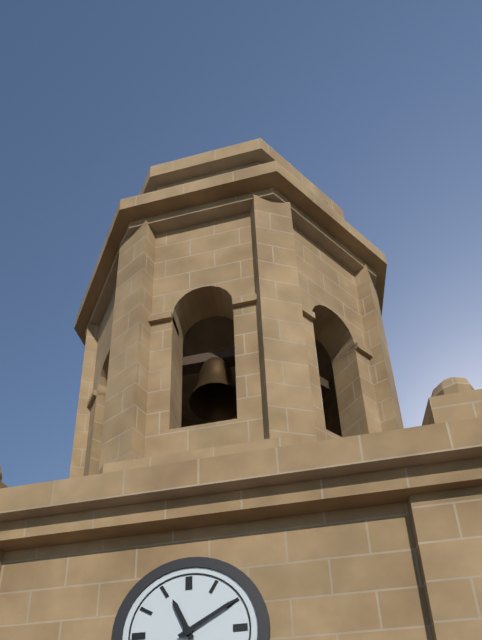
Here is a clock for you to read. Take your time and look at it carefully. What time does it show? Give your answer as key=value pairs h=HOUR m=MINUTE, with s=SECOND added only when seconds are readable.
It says h=11 m=10
